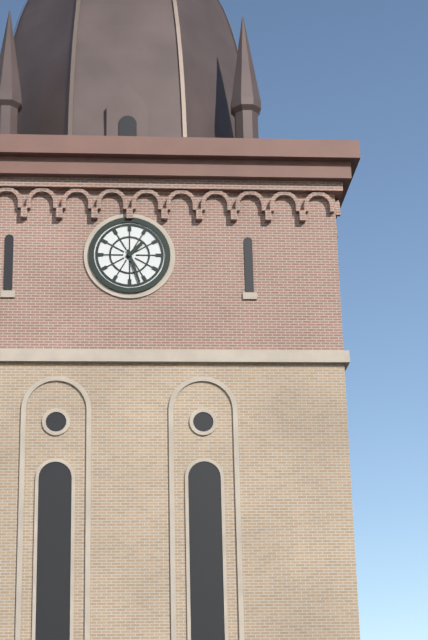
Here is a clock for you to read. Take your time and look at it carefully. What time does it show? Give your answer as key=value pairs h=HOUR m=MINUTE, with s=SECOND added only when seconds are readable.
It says h=1 m=27
